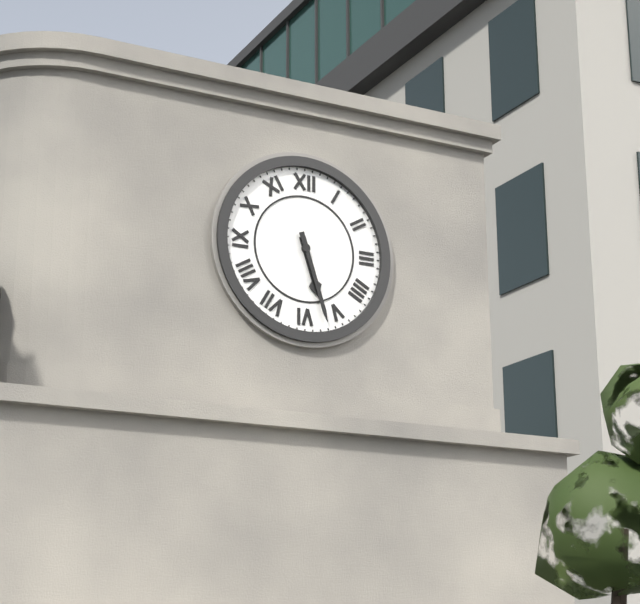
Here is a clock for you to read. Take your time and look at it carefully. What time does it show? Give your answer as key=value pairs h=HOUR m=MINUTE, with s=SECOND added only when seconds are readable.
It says h=5 m=27
